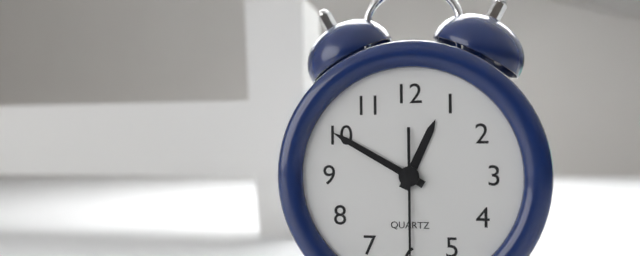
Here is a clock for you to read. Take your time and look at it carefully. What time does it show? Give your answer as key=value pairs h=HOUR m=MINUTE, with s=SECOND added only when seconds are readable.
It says h=12 m=50
